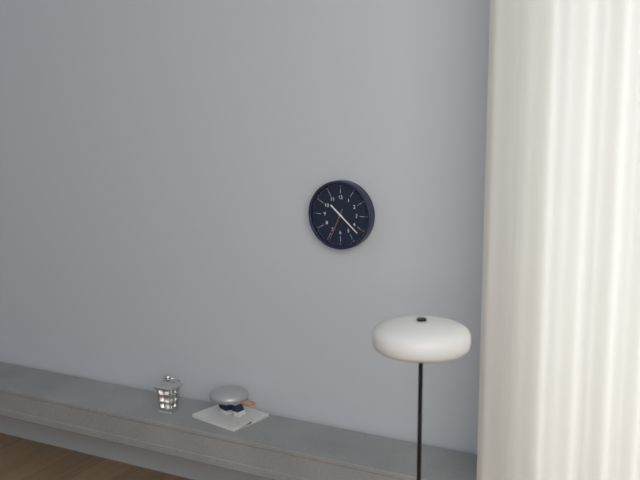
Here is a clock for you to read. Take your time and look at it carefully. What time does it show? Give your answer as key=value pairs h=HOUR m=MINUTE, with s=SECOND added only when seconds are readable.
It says h=10 m=22
